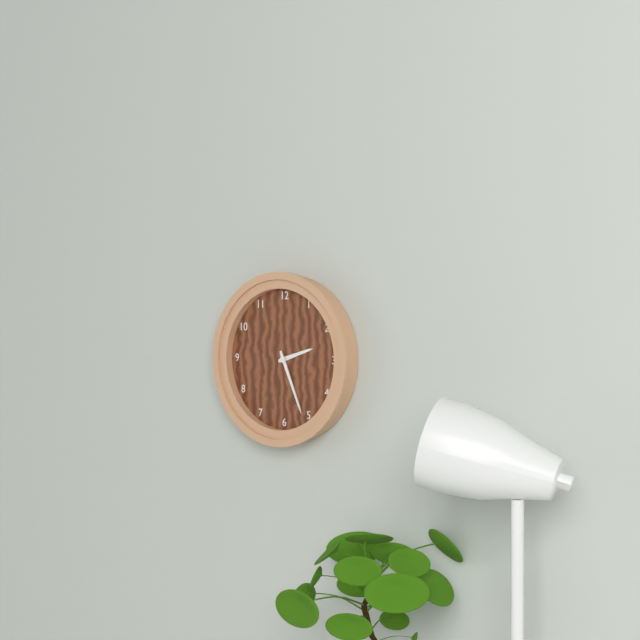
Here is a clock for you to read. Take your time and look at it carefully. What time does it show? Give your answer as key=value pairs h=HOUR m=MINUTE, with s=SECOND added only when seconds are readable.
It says h=2 m=26
